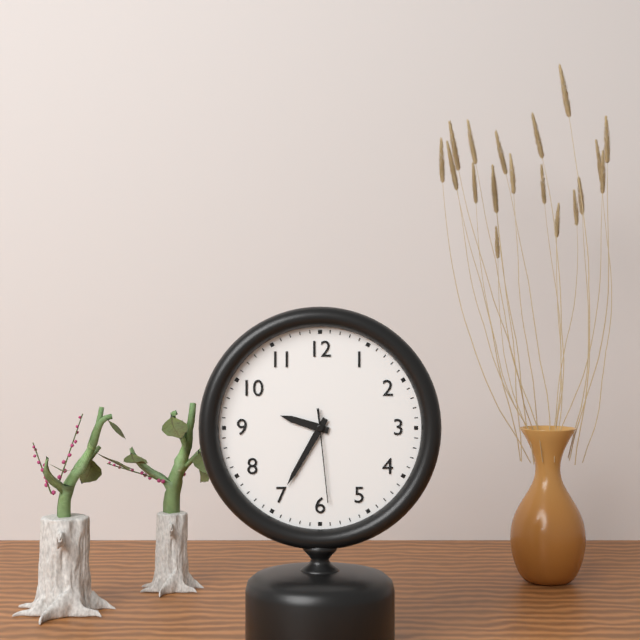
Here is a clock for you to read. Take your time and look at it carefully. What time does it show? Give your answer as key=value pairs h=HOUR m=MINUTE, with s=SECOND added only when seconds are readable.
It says h=9 m=35 s=29
